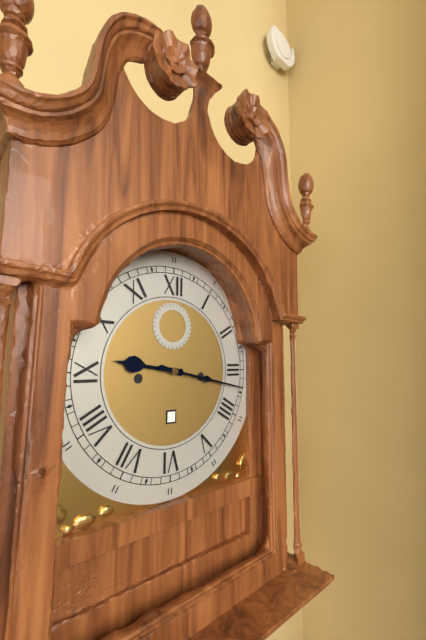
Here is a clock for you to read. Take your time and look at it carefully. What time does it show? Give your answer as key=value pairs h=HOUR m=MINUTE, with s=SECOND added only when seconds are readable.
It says h=9 m=17
